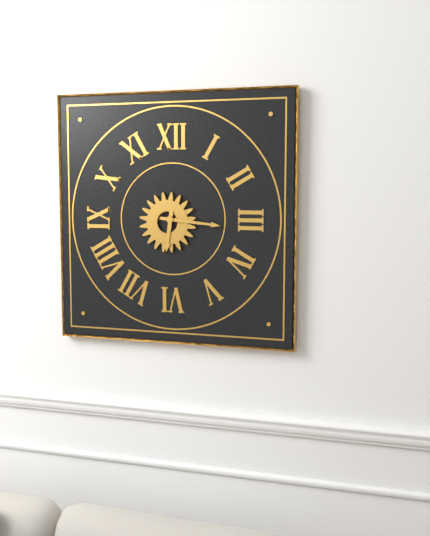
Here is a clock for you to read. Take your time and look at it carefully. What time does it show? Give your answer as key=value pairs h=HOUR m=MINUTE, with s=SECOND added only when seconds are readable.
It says h=6 m=16
